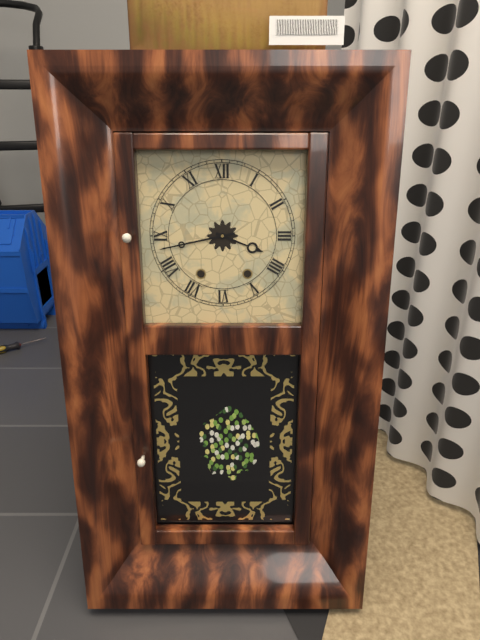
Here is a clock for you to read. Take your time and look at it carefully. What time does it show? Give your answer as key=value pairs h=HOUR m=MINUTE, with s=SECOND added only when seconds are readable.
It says h=3 m=43
